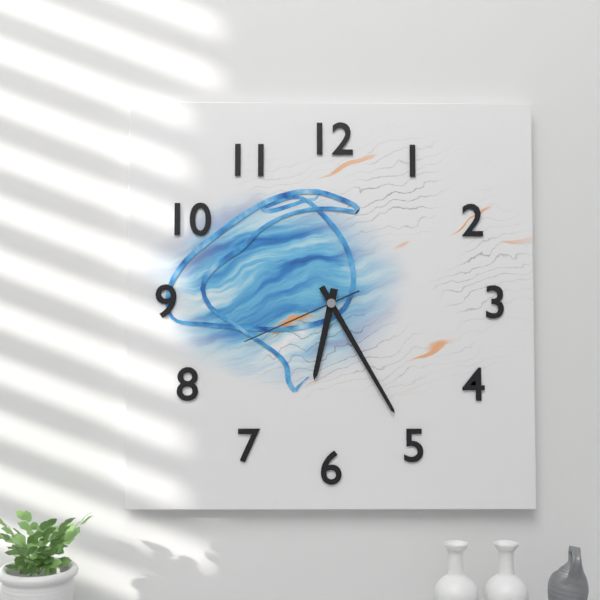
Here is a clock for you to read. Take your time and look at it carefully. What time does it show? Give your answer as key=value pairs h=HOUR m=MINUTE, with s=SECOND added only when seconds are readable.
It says h=6 m=25 s=41
